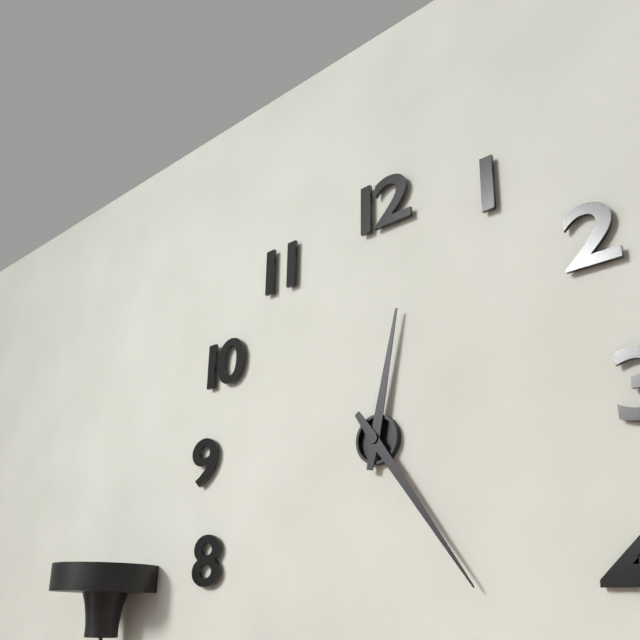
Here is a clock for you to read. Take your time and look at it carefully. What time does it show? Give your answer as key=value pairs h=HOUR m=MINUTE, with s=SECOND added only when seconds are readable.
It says h=12 m=24
